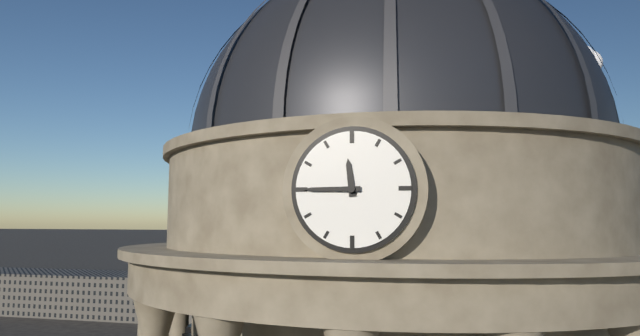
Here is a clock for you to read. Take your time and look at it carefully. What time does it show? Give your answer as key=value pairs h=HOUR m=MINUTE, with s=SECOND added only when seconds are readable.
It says h=11 m=45
